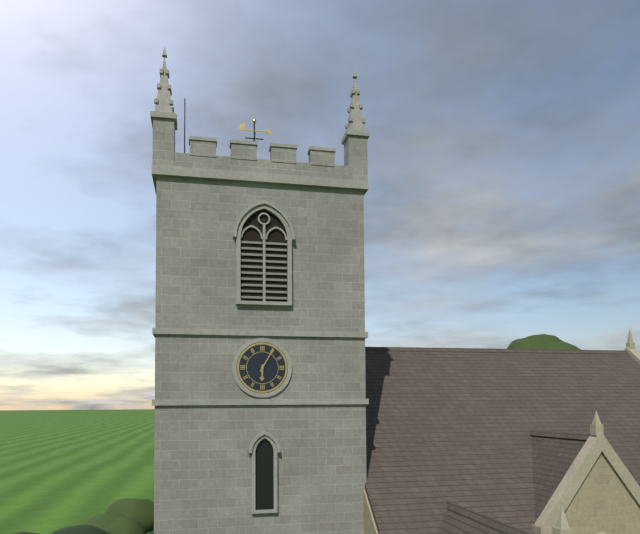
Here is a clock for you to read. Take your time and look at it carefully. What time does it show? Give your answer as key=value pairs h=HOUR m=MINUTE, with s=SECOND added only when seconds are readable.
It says h=6 m=5
